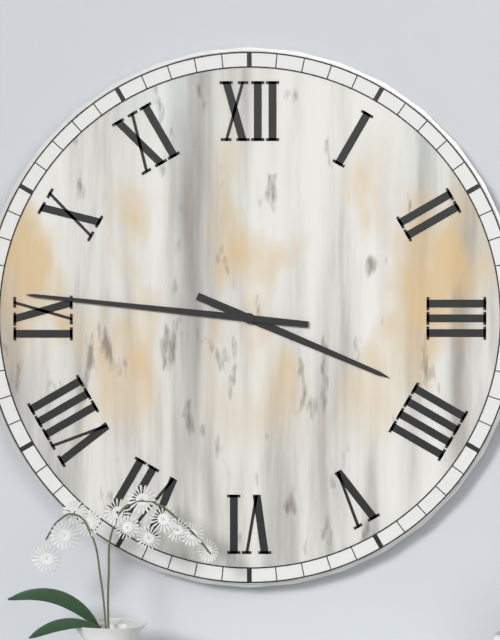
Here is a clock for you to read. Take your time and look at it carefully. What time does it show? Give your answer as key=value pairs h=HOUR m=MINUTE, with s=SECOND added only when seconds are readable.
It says h=3 m=46
